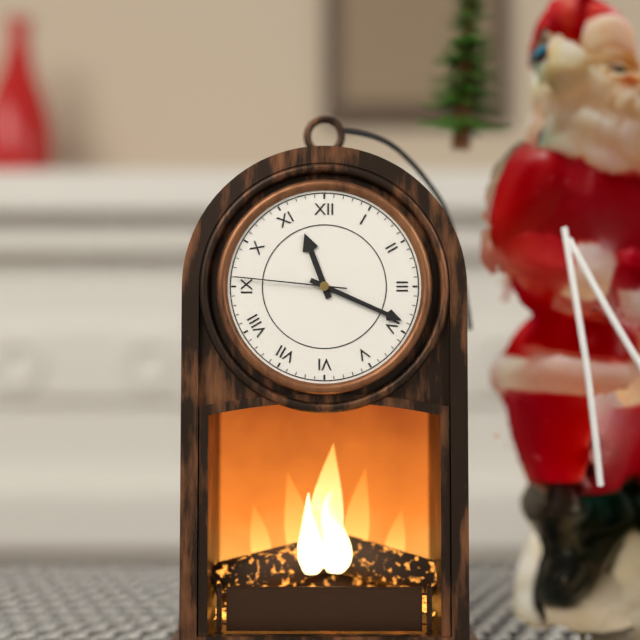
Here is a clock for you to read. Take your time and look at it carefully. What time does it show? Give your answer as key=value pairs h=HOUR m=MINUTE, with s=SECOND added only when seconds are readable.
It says h=11 m=19 s=46
